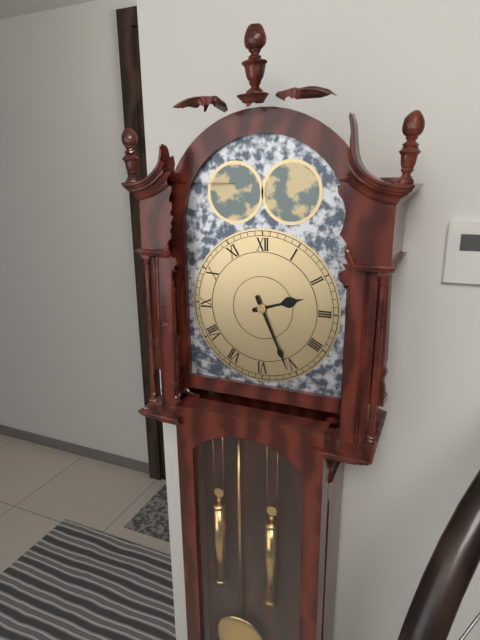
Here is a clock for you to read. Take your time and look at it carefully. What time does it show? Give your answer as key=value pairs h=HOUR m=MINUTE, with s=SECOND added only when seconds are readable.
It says h=2 m=26
